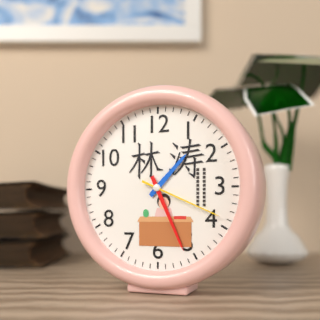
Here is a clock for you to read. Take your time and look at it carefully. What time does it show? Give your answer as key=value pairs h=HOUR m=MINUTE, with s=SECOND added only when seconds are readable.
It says h=1 m=26 s=19
